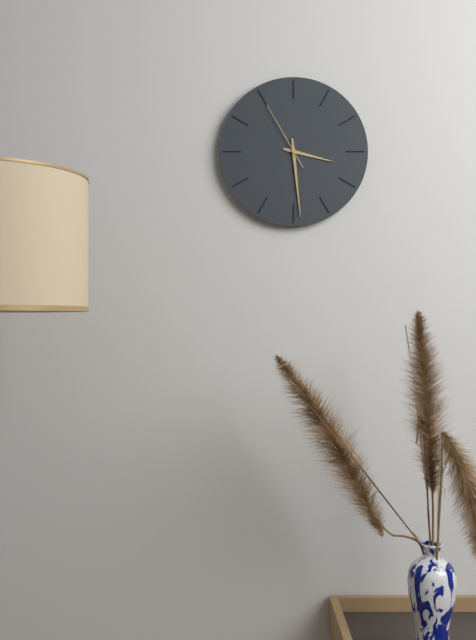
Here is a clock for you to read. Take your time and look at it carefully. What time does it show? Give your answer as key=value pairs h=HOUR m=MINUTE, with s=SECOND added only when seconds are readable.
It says h=3 m=29 s=55
